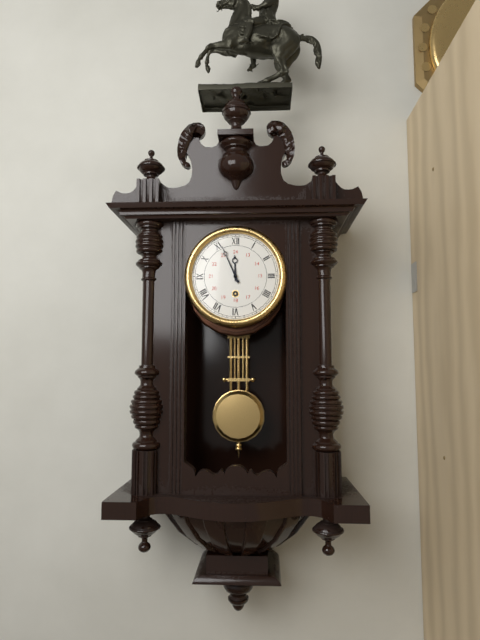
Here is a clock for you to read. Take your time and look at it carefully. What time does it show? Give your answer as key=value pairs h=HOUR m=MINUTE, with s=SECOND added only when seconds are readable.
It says h=11 m=56
